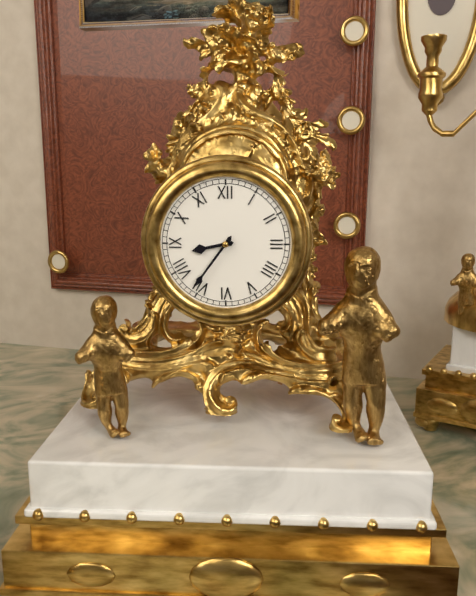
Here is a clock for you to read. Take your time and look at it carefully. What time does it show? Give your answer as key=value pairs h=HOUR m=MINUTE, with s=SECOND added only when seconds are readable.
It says h=8 m=36
